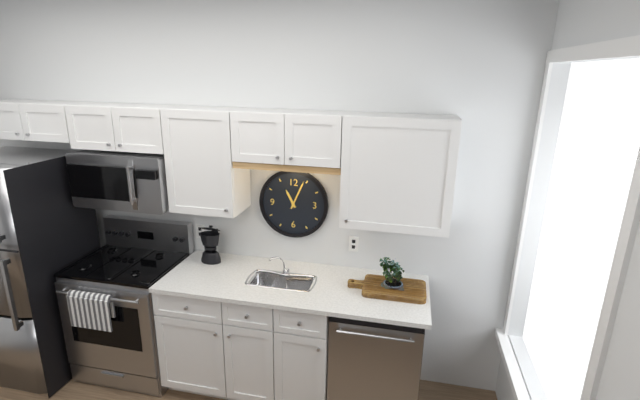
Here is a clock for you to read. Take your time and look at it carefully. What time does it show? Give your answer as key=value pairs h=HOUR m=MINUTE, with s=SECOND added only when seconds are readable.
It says h=11 m=4
